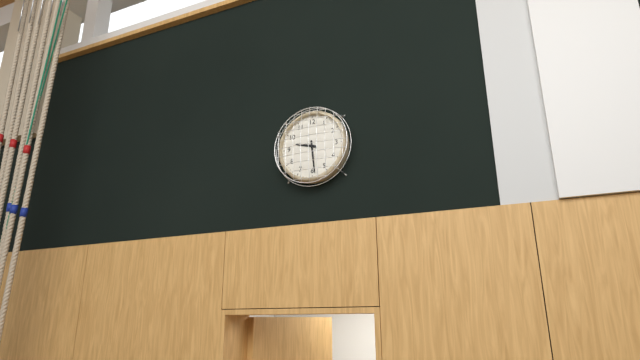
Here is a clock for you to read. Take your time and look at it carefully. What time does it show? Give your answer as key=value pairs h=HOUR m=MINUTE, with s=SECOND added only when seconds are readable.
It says h=9 m=29
